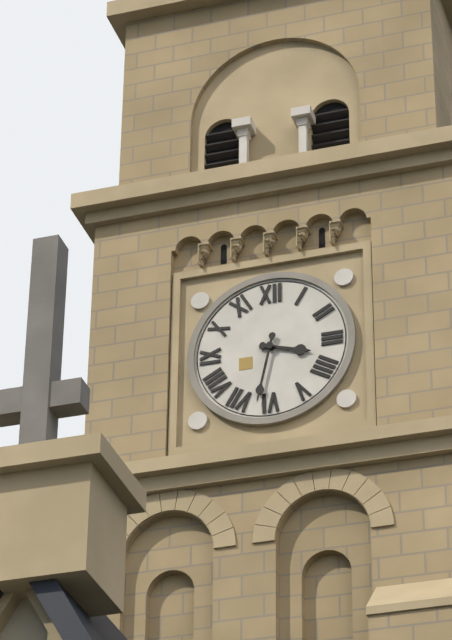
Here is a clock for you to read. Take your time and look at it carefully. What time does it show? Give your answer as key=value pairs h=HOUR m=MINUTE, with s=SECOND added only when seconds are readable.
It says h=3 m=32
